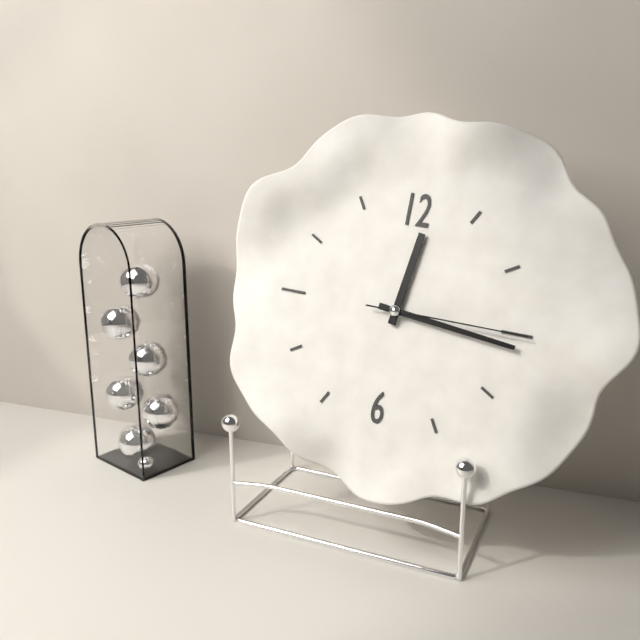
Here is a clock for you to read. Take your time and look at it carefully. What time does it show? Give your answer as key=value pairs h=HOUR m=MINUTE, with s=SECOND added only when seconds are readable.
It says h=12 m=16 s=15
